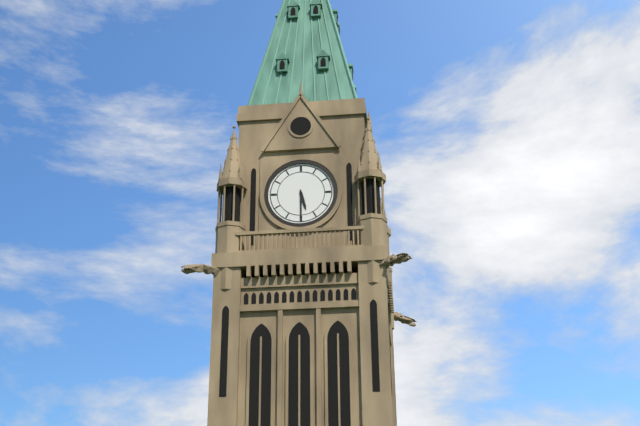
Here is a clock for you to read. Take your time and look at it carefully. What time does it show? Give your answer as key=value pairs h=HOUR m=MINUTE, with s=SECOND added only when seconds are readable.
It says h=5 m=30
